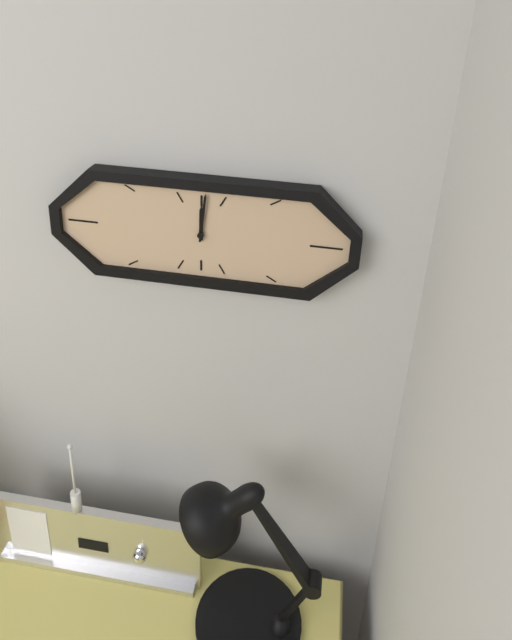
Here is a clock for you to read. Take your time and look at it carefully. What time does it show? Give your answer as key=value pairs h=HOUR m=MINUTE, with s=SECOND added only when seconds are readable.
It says h=12 m=1
